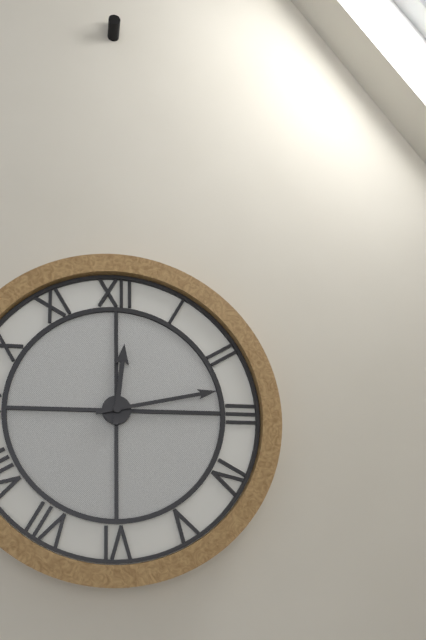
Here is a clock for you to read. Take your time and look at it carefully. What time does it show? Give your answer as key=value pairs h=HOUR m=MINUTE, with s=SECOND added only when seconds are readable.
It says h=12 m=13
